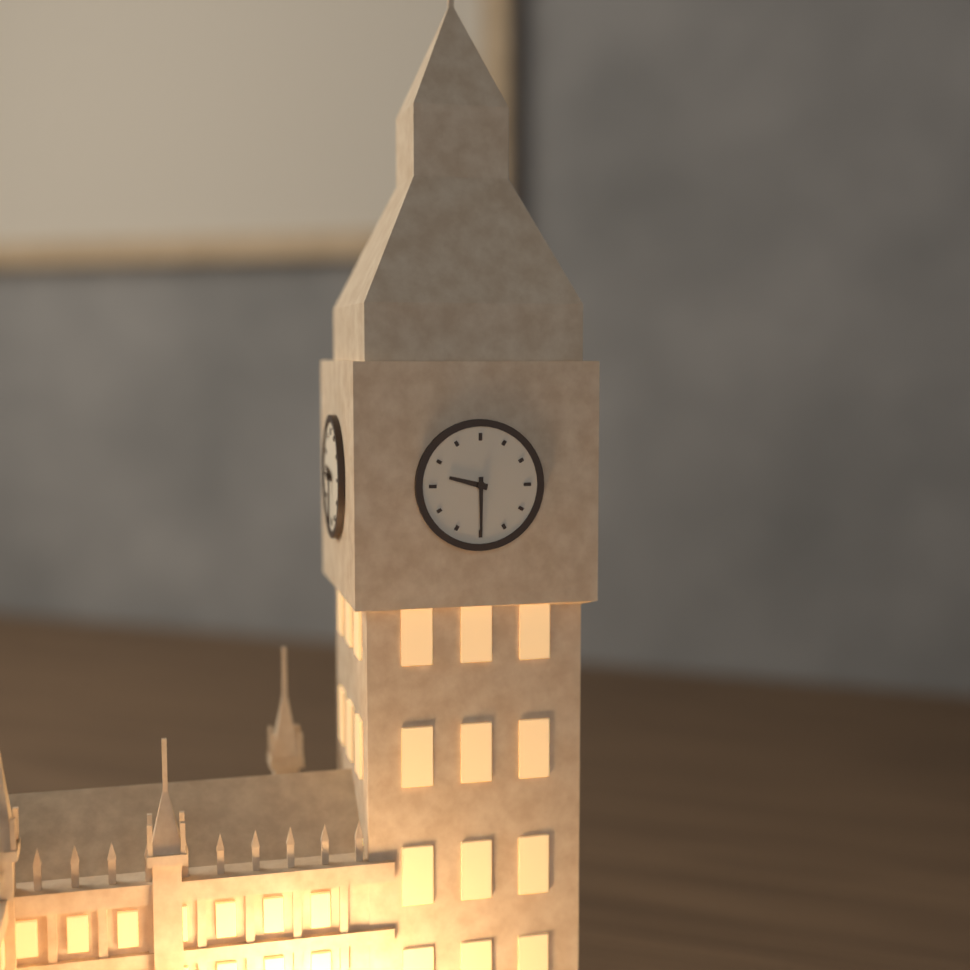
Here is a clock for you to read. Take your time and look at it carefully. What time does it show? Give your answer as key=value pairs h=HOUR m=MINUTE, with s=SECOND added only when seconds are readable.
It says h=9 m=30
